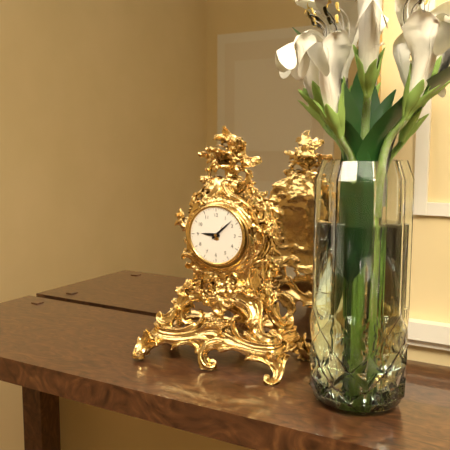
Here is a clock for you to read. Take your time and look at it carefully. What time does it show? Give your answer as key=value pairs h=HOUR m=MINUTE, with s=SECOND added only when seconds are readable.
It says h=9 m=8
